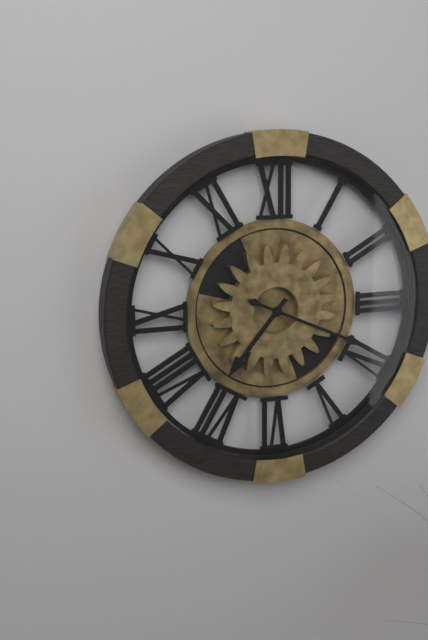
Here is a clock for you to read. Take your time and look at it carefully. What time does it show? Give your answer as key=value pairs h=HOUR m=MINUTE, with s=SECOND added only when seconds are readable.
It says h=7 m=19
